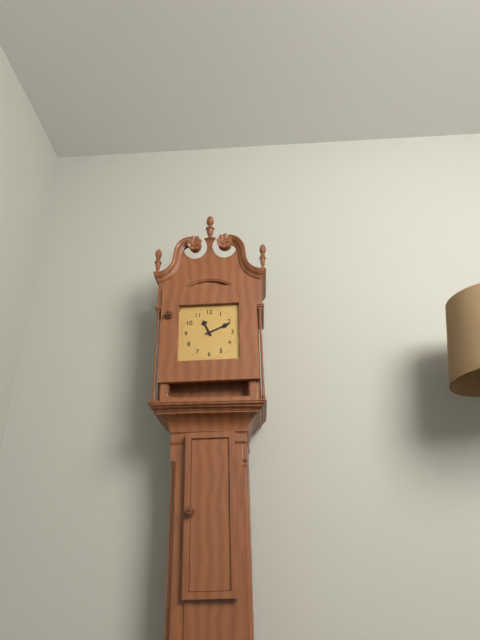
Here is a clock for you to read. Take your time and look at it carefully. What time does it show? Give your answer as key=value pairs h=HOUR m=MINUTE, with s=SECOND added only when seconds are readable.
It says h=11 m=11
